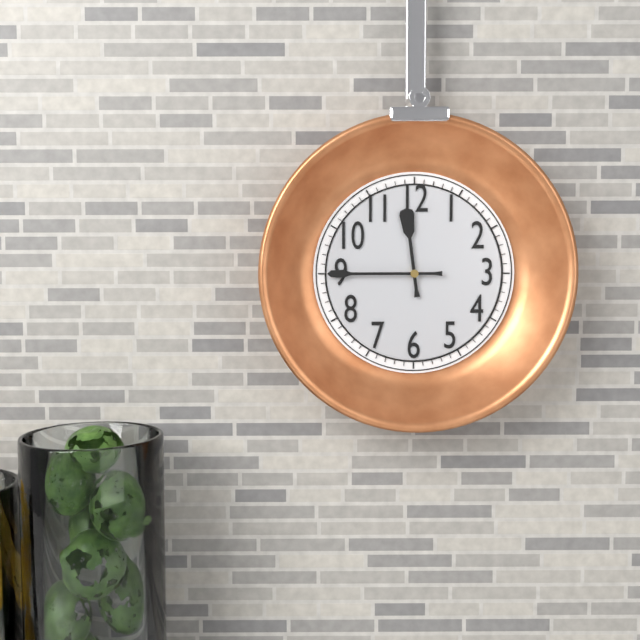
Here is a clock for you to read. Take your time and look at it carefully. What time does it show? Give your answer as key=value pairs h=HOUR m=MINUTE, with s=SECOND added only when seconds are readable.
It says h=11 m=45
